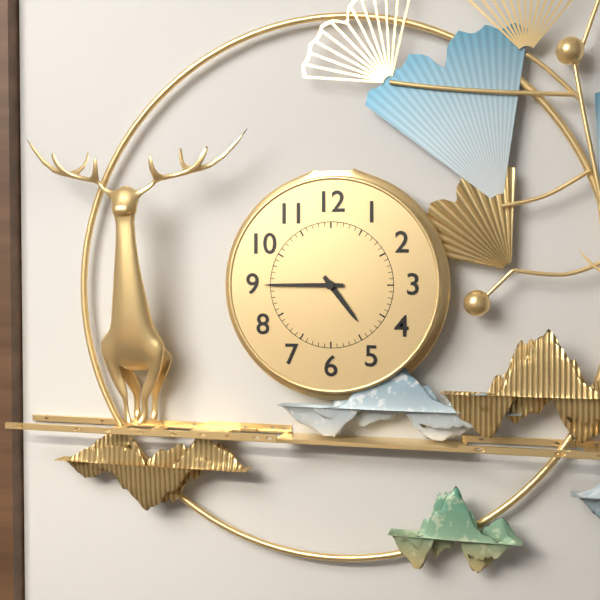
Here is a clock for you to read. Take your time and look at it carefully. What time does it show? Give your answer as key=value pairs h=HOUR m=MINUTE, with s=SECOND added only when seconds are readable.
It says h=4 m=45
